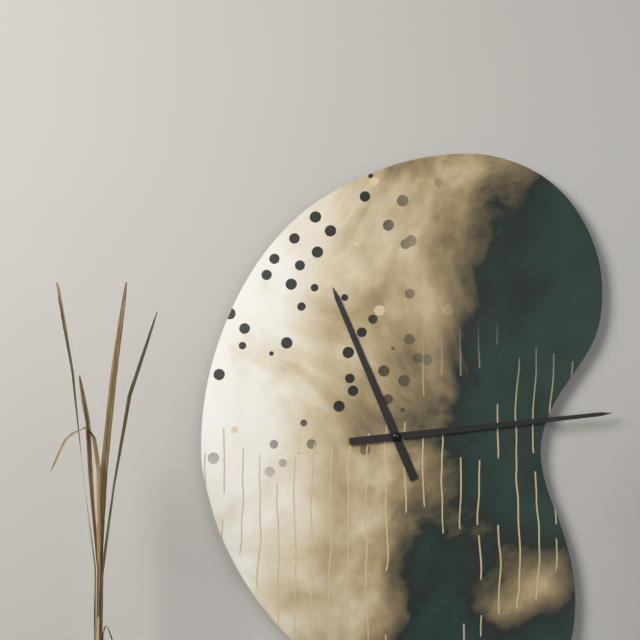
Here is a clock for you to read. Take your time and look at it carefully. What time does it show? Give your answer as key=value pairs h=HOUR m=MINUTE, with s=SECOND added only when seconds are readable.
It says h=11 m=14
